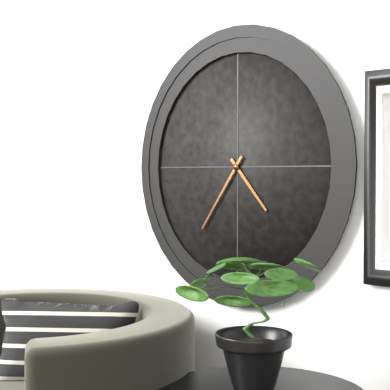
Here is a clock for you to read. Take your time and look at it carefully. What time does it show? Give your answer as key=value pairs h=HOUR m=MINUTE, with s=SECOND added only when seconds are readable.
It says h=4 m=36
